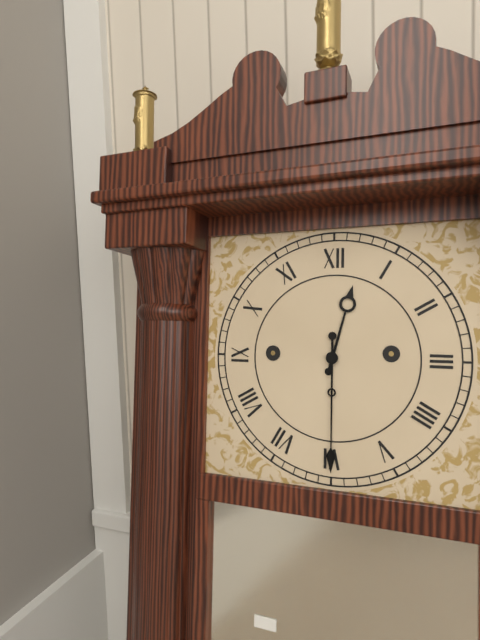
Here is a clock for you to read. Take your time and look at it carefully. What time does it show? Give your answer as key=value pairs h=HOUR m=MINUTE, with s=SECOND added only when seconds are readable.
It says h=12 m=30
